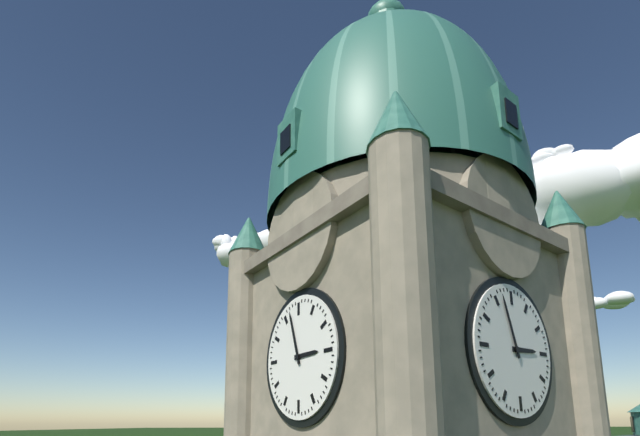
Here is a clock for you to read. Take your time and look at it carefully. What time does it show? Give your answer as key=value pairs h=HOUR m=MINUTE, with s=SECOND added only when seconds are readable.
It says h=2 m=57
